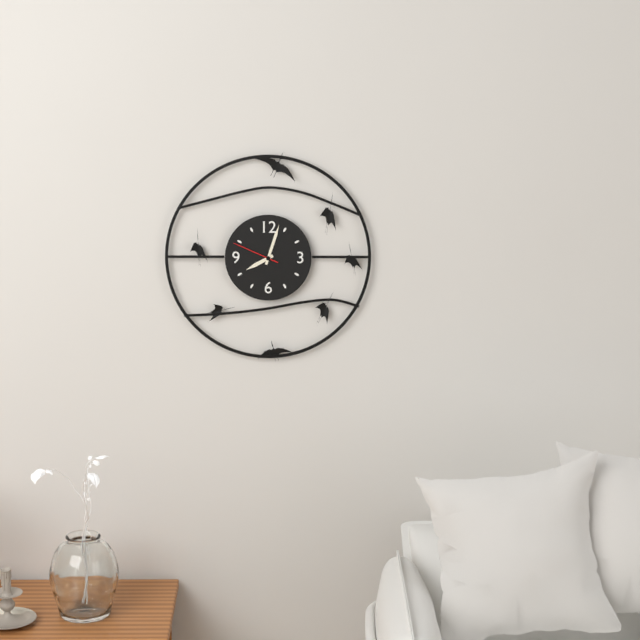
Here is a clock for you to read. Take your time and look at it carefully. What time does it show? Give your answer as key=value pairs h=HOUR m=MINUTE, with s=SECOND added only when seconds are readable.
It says h=8 m=3
